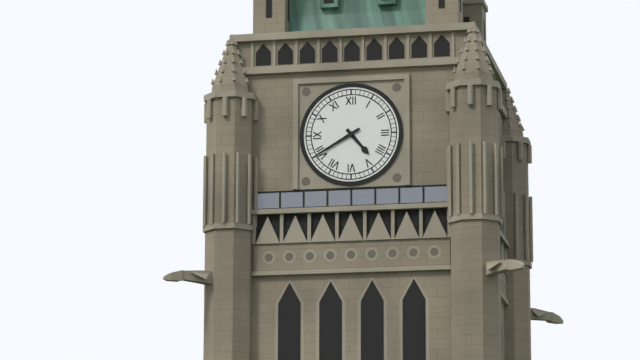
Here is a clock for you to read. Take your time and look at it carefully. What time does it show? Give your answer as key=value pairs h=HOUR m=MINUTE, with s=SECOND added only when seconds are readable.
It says h=4 m=40
